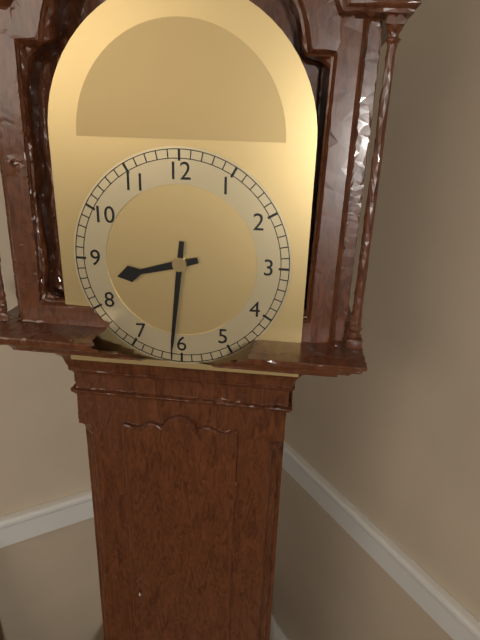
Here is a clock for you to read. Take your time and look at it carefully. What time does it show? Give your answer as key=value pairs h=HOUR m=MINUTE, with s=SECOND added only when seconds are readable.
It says h=8 m=31
